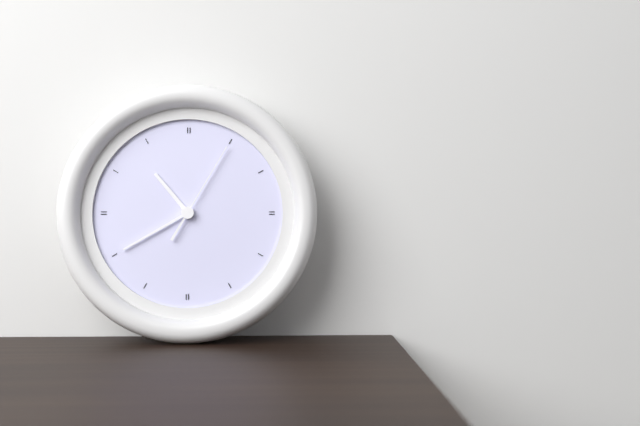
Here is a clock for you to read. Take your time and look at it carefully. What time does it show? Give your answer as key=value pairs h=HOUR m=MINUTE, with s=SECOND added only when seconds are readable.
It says h=10 m=40 s=5
